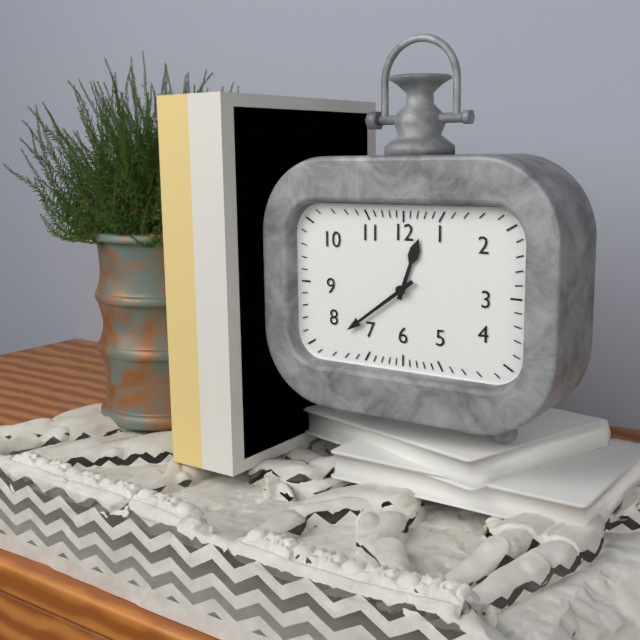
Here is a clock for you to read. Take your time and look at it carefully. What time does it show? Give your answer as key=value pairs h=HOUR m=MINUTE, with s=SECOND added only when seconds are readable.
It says h=12 m=39
